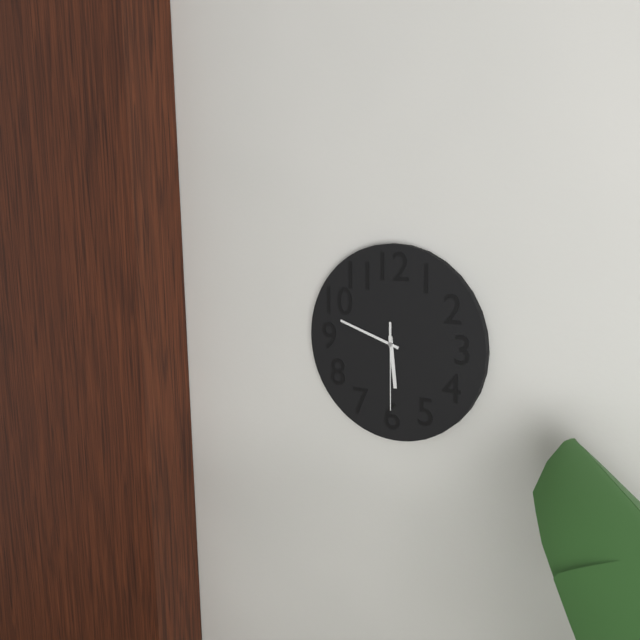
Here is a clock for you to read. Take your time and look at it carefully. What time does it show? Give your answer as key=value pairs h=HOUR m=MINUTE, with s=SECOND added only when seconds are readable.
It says h=5 m=48 s=30
